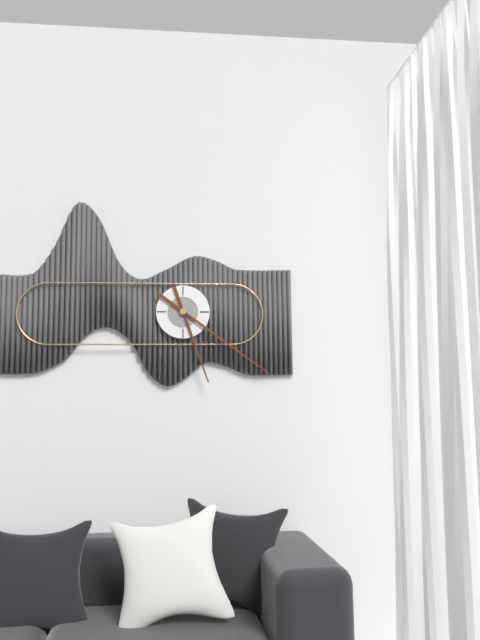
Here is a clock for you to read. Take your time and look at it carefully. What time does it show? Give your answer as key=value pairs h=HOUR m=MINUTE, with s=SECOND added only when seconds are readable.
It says h=5 m=21
